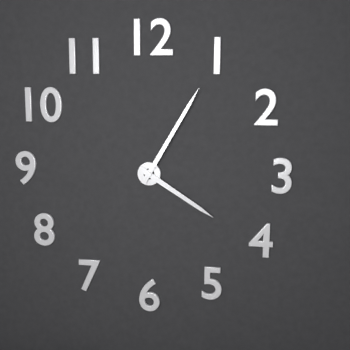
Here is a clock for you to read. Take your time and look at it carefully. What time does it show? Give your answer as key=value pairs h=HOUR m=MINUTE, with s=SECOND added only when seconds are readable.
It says h=4 m=5
